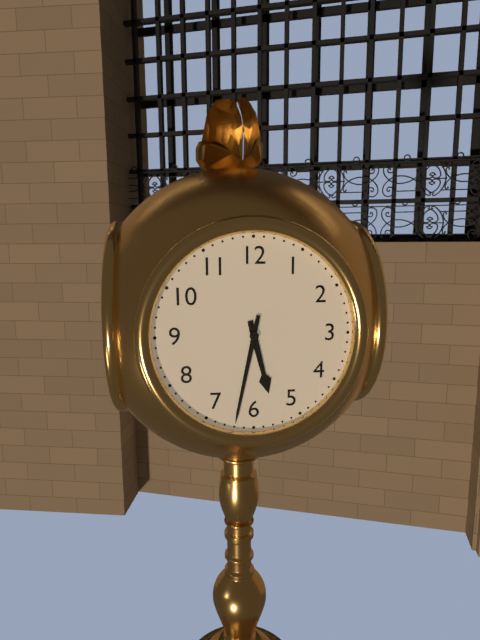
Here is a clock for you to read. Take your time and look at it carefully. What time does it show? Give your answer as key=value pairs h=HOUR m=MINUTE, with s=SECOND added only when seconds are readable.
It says h=5 m=32
